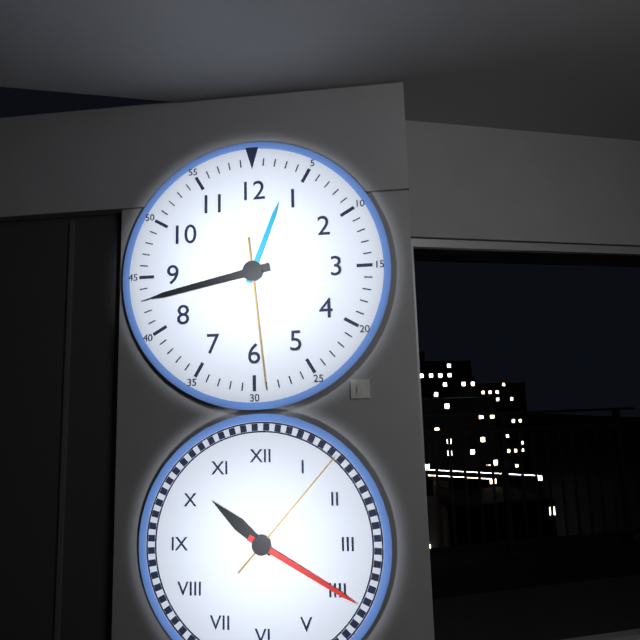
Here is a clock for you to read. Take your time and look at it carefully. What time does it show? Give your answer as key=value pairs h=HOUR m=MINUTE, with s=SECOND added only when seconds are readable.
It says h=12 m=43 s=29
